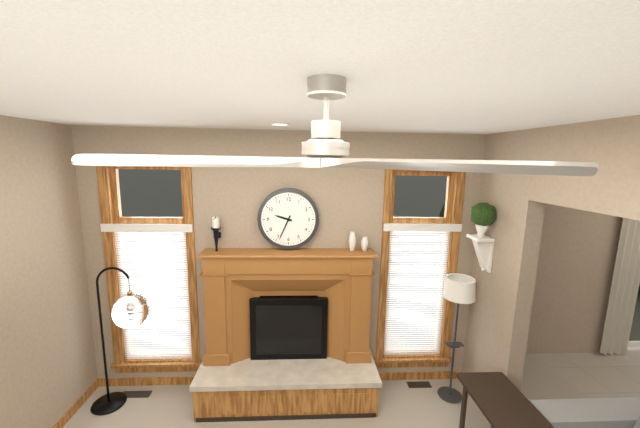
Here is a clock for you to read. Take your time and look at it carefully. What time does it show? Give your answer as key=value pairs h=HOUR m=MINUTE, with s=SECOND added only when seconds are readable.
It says h=9 m=34
